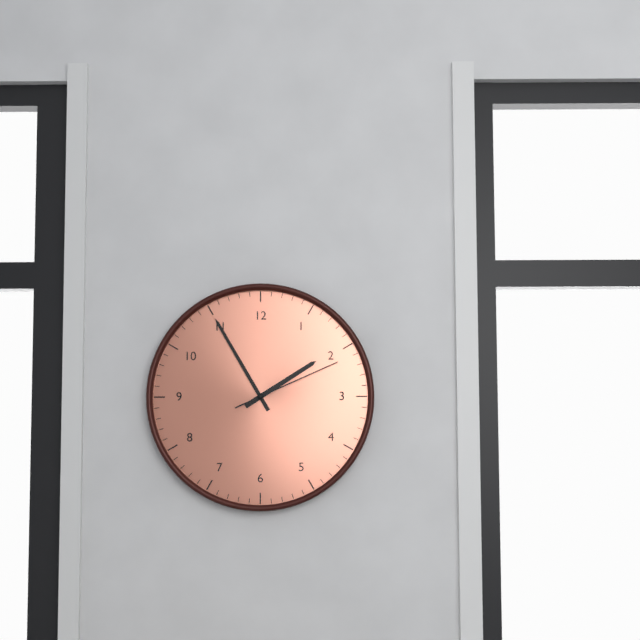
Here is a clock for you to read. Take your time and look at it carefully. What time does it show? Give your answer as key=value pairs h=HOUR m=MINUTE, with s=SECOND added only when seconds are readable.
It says h=1 m=55 s=11
